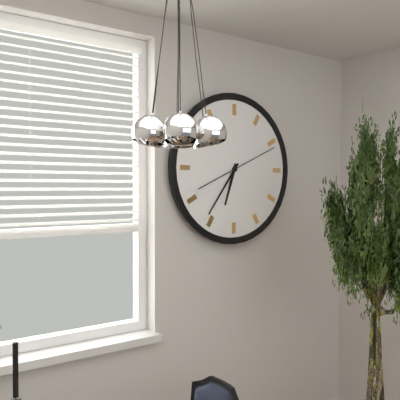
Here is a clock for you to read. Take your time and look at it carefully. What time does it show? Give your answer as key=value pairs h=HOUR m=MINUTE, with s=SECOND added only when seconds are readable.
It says h=6 m=36 s=11
